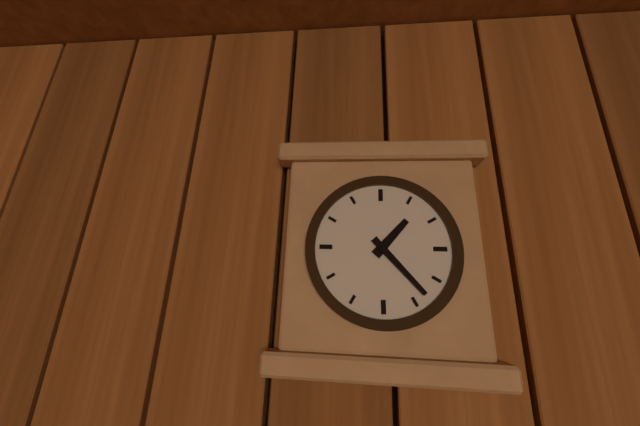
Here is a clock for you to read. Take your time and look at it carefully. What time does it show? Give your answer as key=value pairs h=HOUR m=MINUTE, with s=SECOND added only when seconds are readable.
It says h=1 m=23
